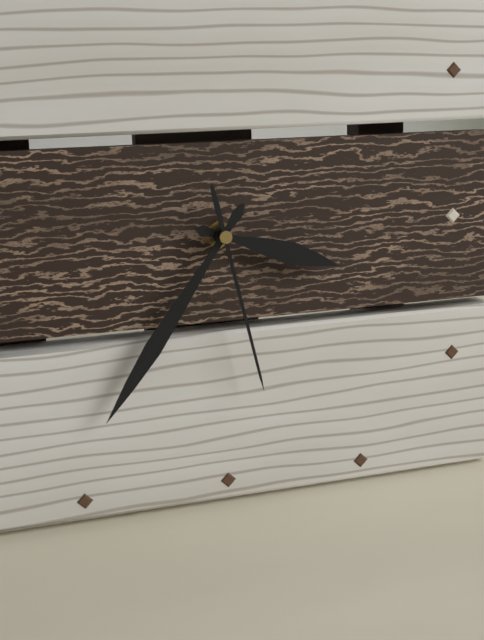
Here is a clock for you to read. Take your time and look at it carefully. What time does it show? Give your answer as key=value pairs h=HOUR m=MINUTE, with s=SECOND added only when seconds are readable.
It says h=3 m=36 s=28
